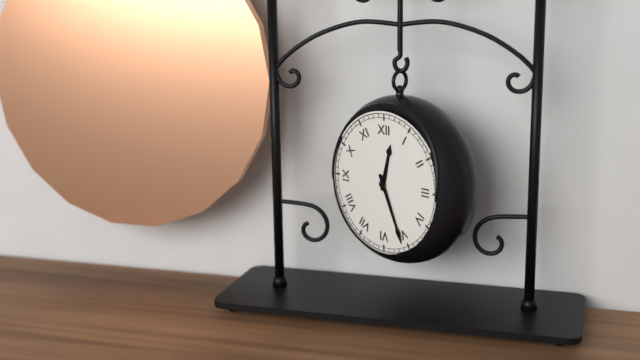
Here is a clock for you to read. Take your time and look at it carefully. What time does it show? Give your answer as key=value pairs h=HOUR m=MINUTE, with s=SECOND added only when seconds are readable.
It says h=12 m=26
